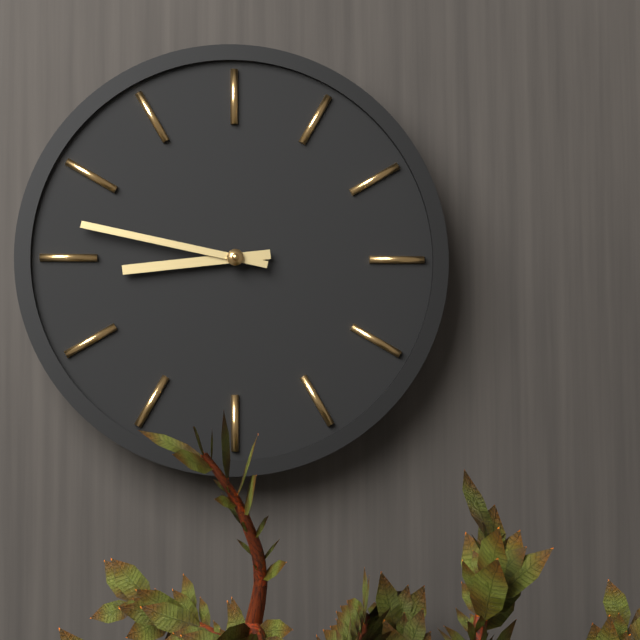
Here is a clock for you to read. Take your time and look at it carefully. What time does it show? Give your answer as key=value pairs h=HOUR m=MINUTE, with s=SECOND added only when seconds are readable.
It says h=8 m=47
